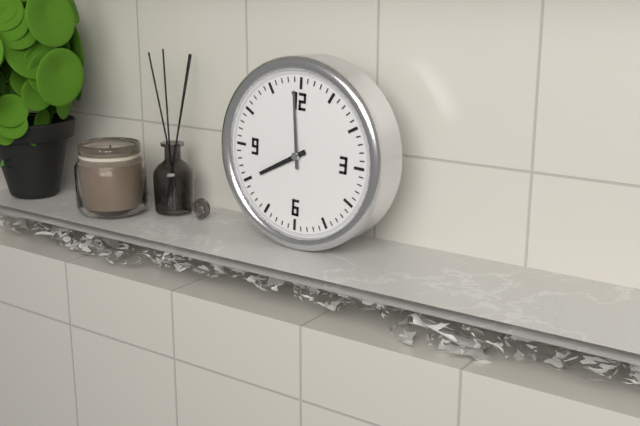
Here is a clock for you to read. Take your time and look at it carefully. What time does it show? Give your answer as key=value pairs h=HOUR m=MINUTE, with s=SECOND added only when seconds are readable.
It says h=7 m=59
